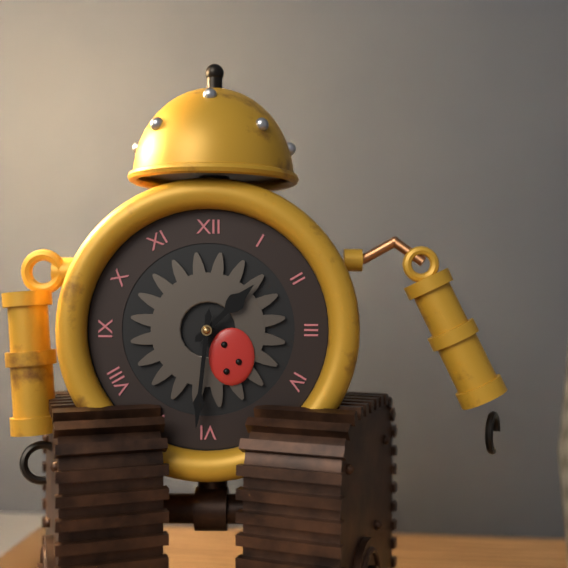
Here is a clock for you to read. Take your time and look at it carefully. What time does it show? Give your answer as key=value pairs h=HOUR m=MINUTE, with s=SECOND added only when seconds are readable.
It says h=1 m=31
